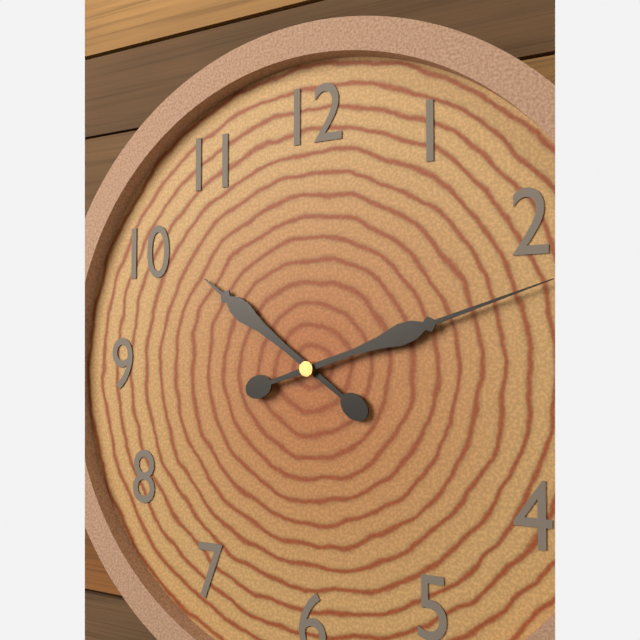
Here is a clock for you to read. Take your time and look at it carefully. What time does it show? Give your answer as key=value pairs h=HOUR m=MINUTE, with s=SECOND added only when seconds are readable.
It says h=10 m=12
